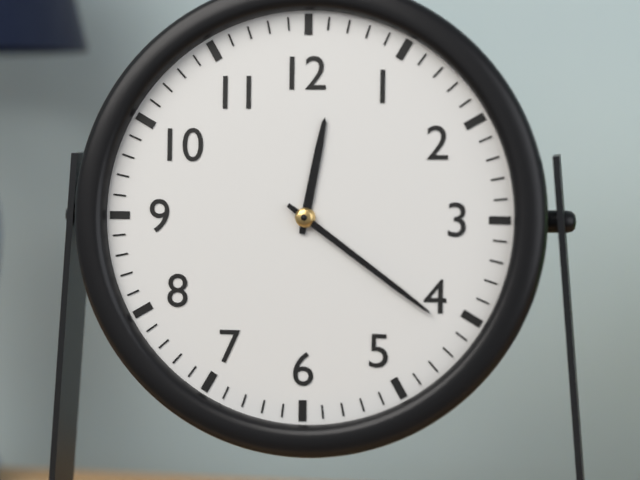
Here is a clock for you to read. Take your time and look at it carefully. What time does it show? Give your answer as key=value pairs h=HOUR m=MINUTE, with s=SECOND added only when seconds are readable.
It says h=12 m=21
